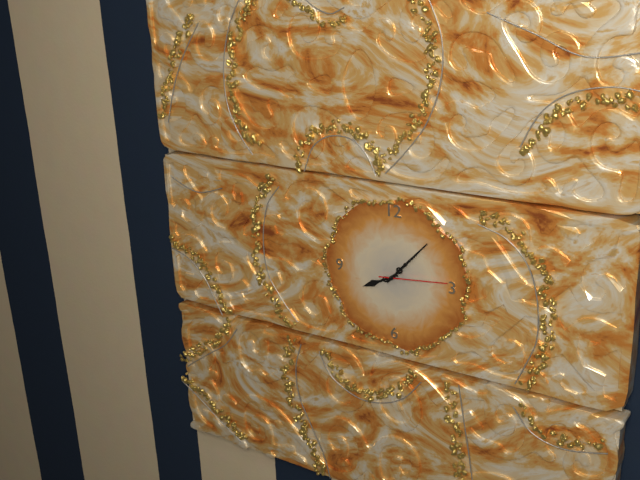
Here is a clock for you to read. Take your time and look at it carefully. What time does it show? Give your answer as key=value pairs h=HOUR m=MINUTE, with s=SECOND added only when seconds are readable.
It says h=8 m=7 s=14
